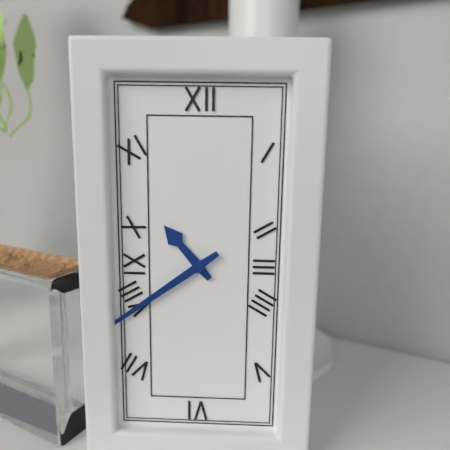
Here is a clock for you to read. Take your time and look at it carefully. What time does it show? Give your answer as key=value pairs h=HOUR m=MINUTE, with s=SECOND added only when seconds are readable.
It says h=10 m=39
